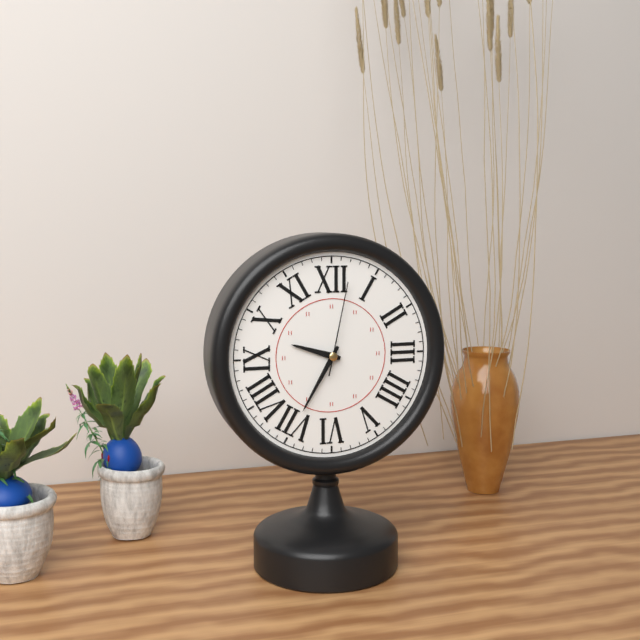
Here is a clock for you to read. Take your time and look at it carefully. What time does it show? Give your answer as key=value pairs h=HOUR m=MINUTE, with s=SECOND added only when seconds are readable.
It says h=9 m=35 s=2
